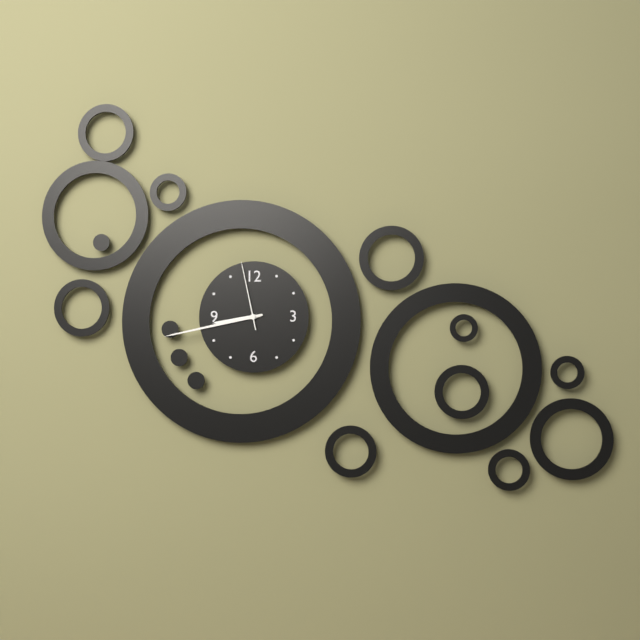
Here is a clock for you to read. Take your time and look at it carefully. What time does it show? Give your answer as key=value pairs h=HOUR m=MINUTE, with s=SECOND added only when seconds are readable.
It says h=8 m=43 s=58
